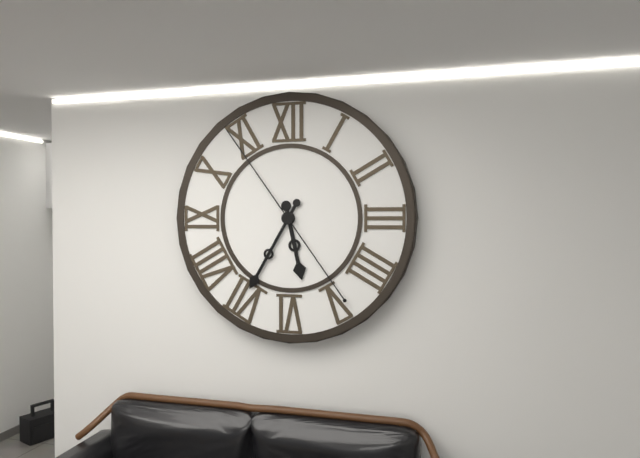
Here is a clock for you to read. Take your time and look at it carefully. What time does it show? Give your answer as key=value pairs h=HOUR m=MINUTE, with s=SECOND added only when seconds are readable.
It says h=5 m=35 s=54
